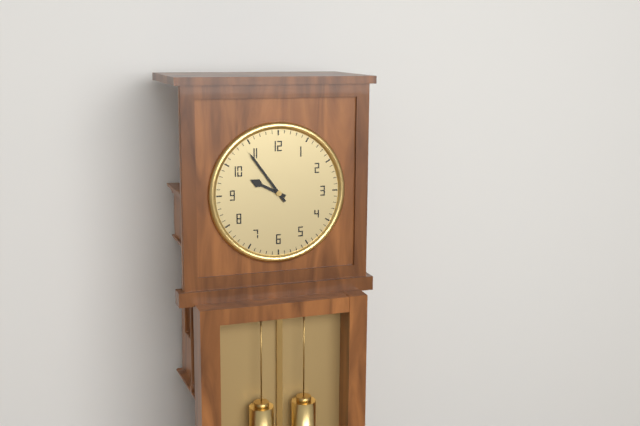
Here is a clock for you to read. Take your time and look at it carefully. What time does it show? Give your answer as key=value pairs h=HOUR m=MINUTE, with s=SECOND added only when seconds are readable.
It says h=9 m=54
